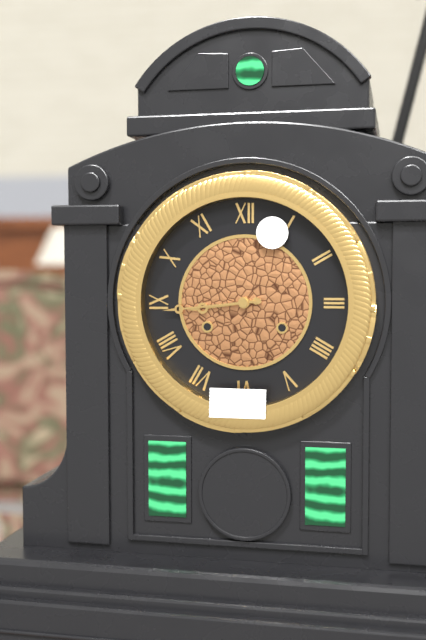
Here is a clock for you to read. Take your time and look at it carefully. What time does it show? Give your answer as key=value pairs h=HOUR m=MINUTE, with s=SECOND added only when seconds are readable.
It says h=8 m=44
